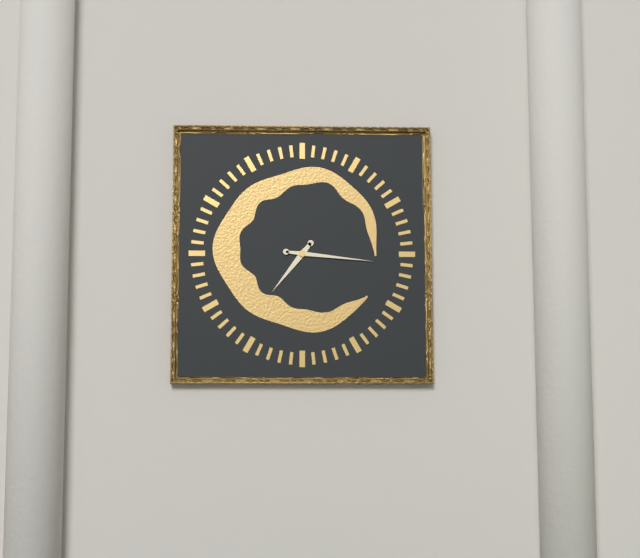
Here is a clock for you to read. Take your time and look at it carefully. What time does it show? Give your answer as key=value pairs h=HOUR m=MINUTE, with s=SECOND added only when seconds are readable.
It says h=7 m=16
